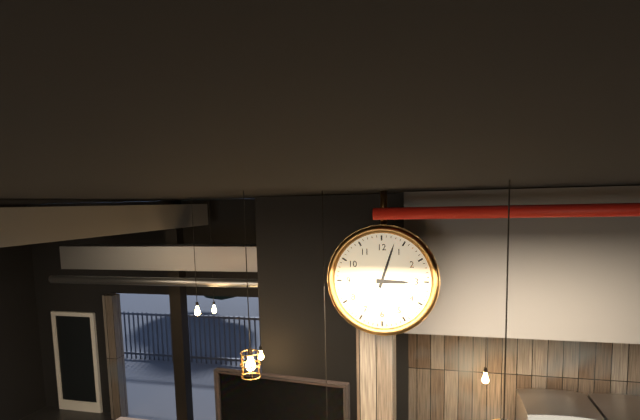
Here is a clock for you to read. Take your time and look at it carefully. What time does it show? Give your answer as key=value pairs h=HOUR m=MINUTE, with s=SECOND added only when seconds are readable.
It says h=3 m=3
